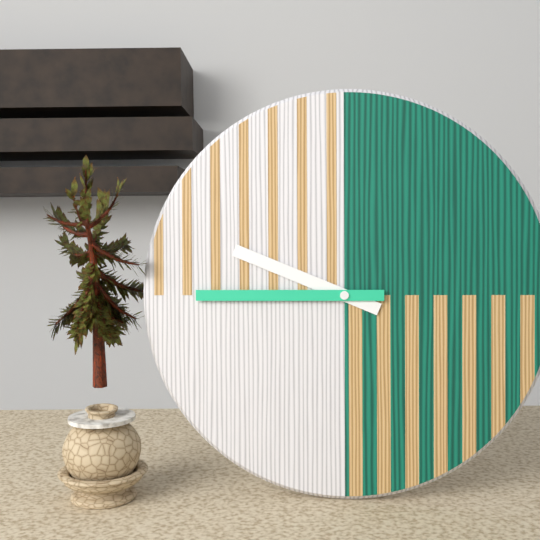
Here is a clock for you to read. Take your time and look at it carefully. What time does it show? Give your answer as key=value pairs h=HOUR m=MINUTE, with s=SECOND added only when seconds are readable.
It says h=9 m=45
